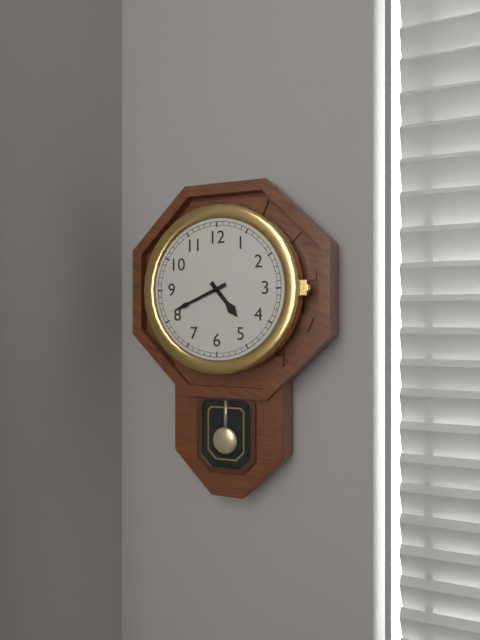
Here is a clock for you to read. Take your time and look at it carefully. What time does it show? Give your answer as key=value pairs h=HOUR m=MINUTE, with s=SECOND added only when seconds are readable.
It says h=4 m=41
